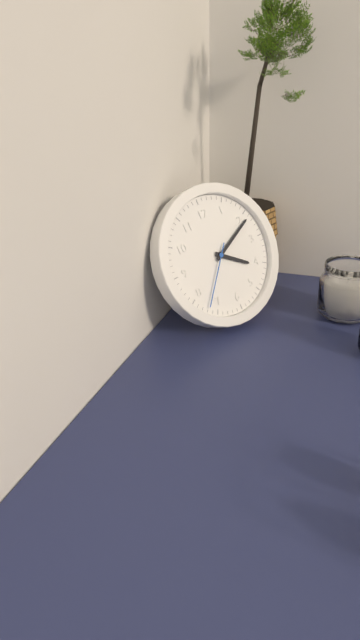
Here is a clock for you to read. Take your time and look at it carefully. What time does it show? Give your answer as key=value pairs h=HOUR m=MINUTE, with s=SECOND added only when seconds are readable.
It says h=4 m=11 s=37
